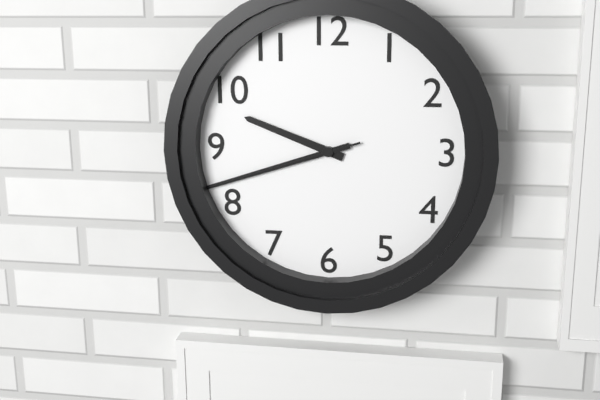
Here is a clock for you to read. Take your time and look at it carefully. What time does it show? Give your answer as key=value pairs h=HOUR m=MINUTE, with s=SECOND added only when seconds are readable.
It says h=9 m=42 s=42
